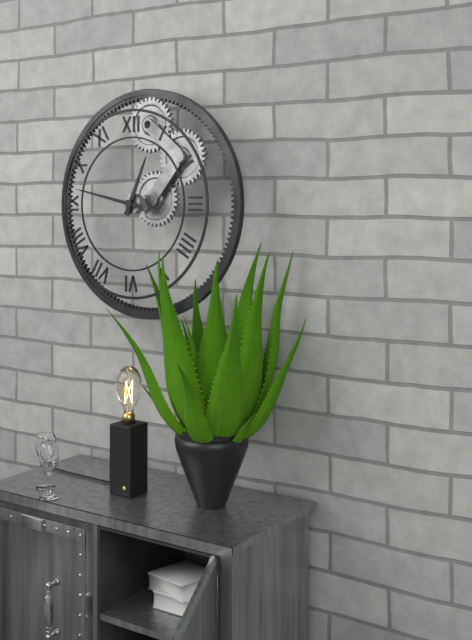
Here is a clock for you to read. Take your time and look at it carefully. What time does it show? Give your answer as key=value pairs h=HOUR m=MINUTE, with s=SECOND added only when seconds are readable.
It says h=12 m=47
